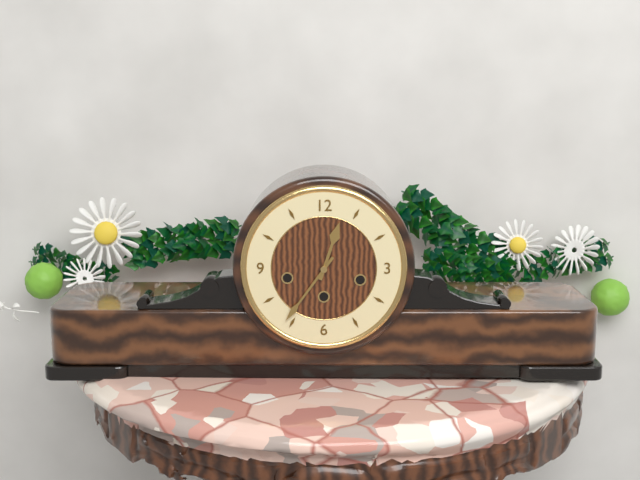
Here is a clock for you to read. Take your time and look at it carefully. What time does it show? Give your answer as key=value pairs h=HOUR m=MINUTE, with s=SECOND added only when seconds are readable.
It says h=12 m=36
